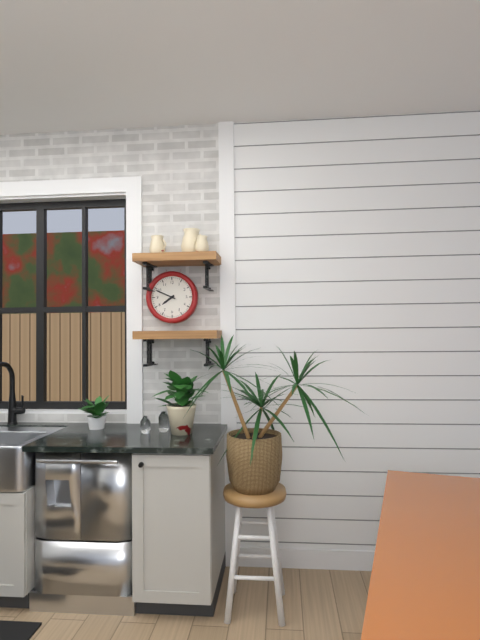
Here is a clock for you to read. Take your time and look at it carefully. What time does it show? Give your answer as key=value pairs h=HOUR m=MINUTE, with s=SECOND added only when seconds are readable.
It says h=7 m=49
